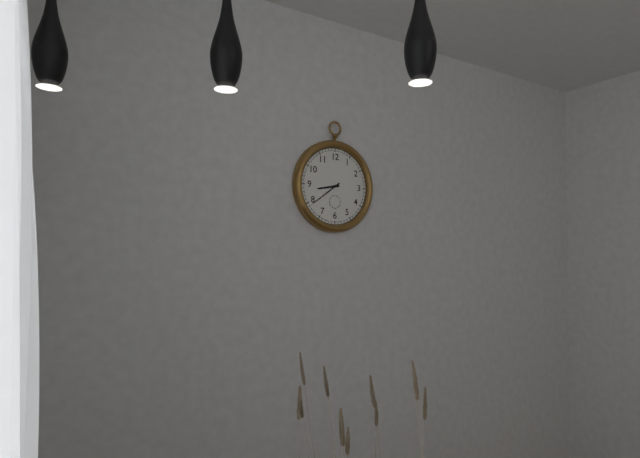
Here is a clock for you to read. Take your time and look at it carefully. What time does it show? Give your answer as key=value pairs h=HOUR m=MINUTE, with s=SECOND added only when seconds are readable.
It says h=8 m=39
